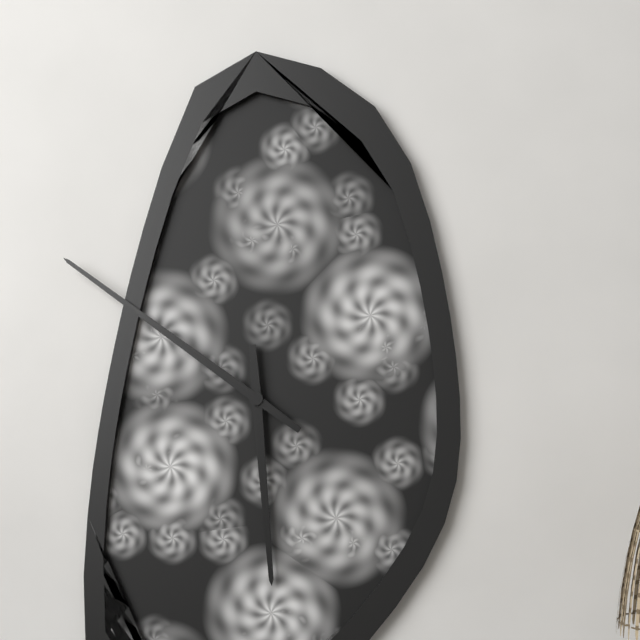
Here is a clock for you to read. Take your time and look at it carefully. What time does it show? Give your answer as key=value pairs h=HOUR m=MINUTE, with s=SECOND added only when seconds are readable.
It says h=5 m=51
